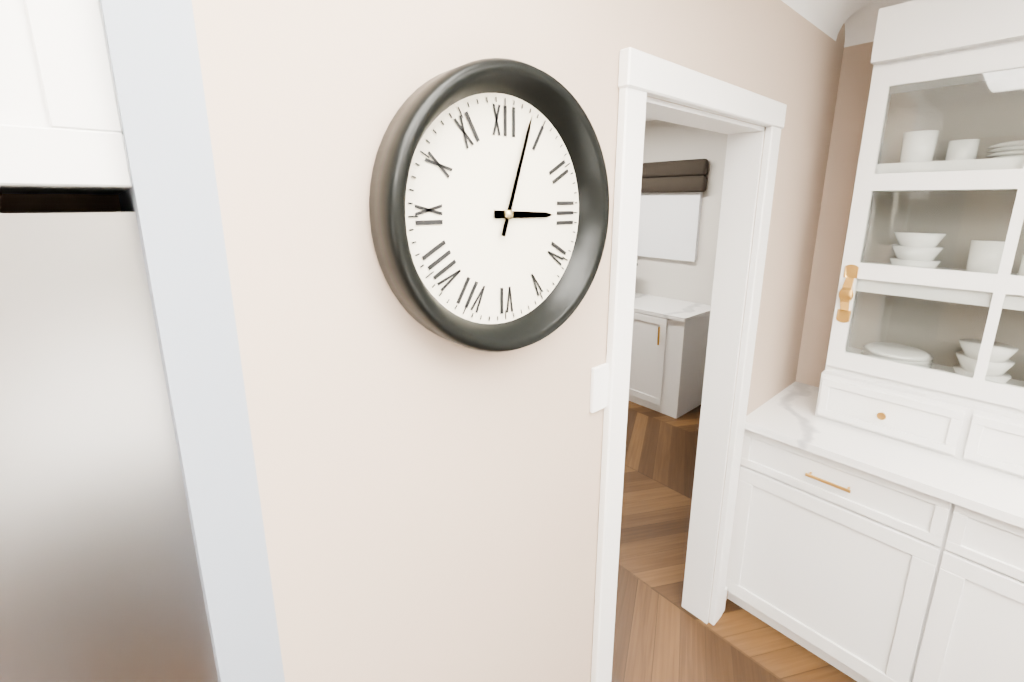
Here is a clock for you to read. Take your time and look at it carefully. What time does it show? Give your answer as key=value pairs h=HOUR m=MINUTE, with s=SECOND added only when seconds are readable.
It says h=3 m=3
